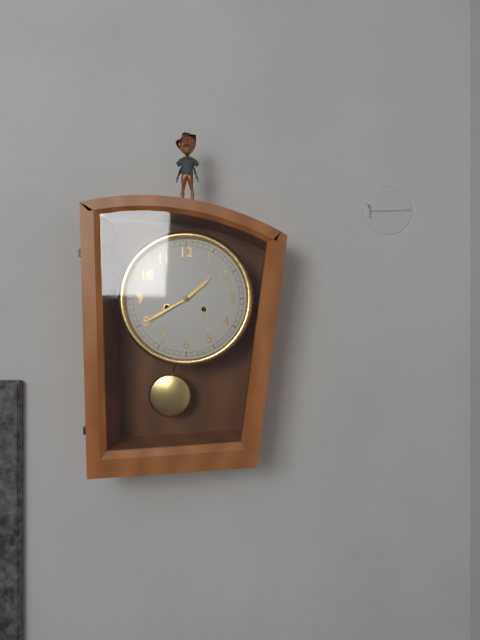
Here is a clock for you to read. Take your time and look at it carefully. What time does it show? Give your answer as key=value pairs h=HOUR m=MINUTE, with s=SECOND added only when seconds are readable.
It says h=1 m=40
